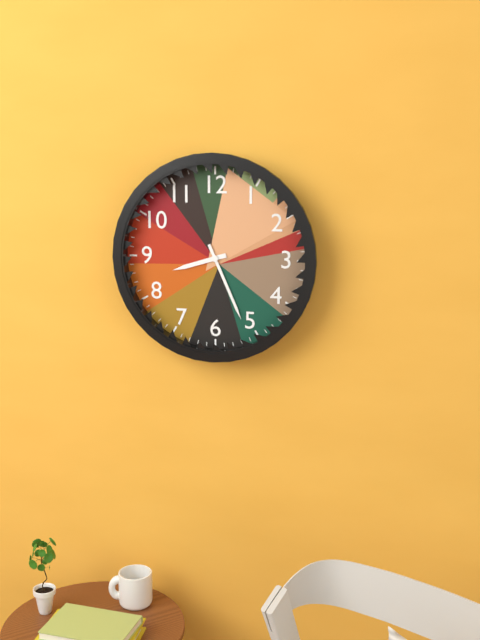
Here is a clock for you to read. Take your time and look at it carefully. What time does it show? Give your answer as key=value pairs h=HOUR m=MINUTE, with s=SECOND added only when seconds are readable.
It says h=8 m=26
